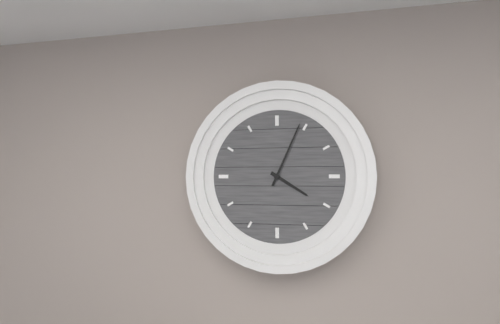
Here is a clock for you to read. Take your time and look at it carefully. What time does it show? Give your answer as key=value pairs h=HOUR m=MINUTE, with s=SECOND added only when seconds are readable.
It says h=4 m=4
